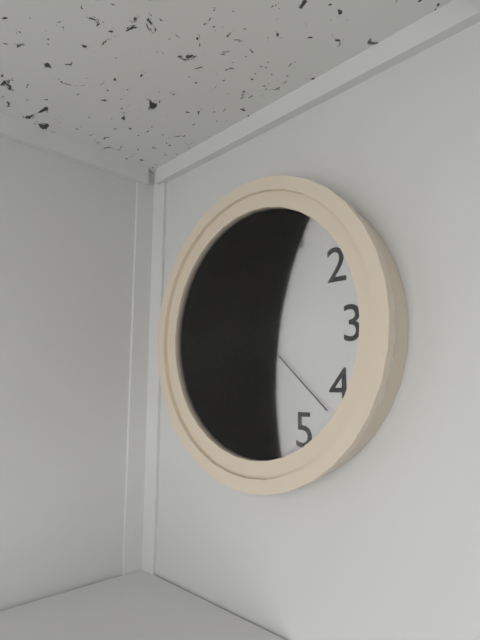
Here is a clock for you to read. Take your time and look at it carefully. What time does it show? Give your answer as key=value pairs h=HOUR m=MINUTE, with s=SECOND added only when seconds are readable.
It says h=11 m=51 s=22
